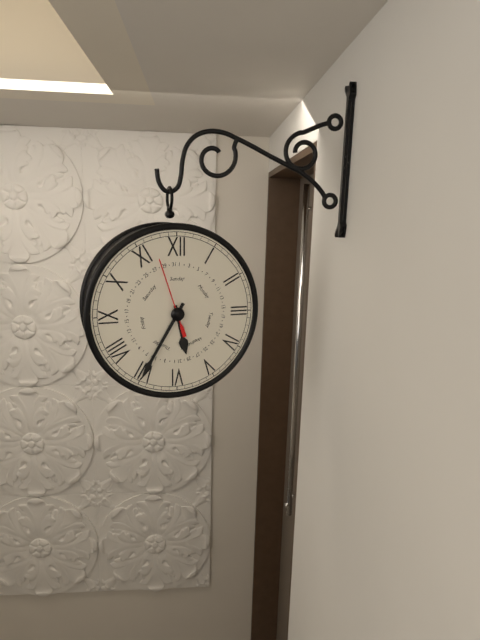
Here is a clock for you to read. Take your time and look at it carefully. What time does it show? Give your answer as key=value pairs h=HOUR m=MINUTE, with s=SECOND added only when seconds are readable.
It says h=5 m=35 s=57
